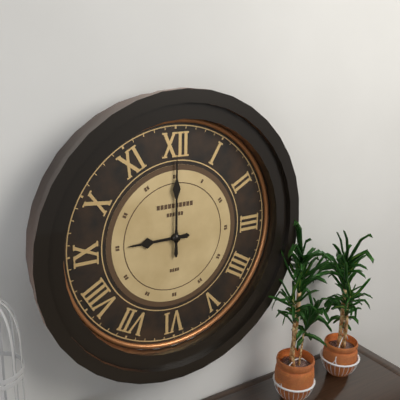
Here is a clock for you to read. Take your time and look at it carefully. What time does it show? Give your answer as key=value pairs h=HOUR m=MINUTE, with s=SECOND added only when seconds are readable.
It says h=9 m=0
